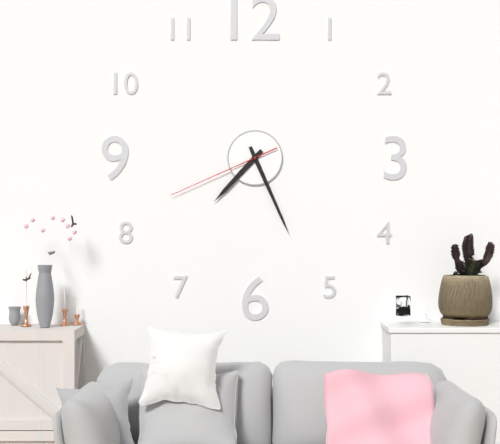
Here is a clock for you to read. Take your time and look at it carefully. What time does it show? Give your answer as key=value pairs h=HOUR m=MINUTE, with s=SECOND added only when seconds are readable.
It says h=7 m=26 s=41
